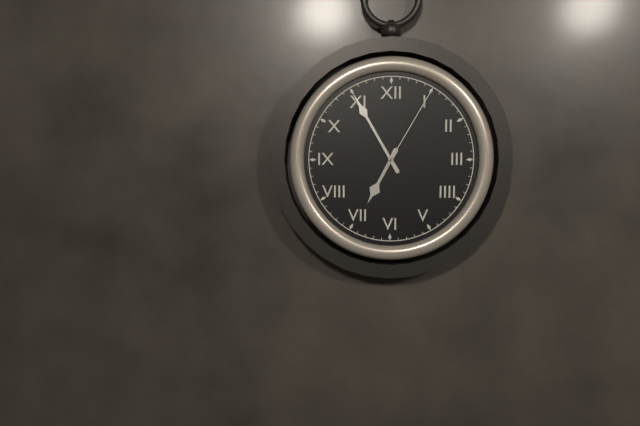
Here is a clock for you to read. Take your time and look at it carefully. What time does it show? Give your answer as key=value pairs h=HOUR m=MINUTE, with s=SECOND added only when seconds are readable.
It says h=6 m=55 s=5
